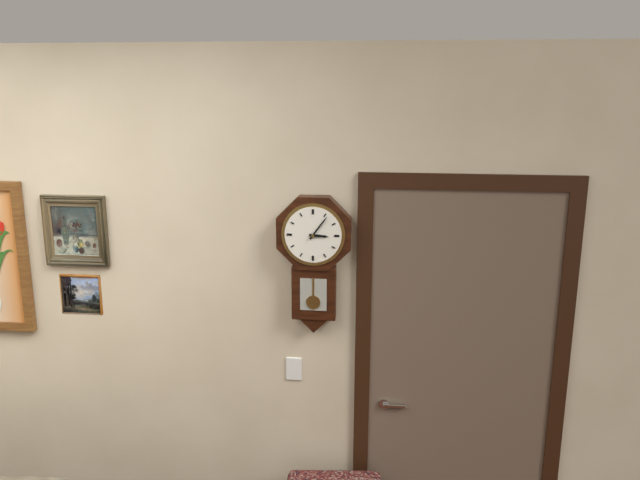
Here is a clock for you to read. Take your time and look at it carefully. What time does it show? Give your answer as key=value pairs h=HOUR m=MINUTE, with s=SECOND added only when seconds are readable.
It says h=3 m=6
